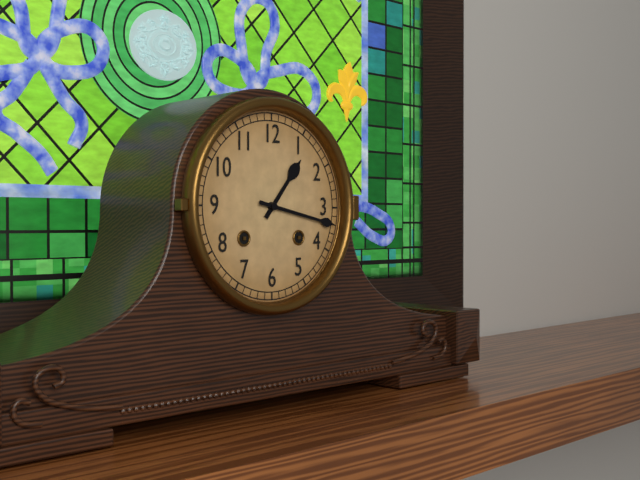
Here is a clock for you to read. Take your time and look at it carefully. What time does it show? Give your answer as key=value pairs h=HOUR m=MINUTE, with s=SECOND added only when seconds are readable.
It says h=1 m=17
